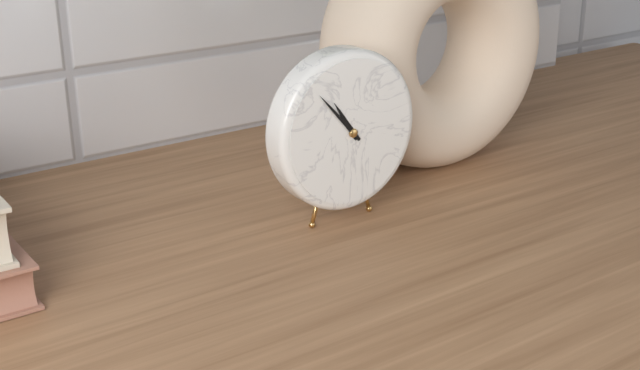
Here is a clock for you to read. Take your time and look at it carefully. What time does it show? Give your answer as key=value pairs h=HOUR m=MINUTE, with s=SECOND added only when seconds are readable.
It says h=10 m=53
